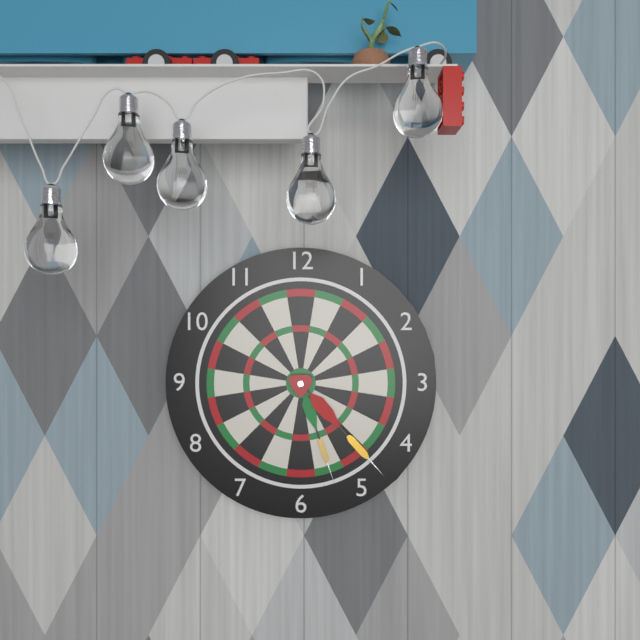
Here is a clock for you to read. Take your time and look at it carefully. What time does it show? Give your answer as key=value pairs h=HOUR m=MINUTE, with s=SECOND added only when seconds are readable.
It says h=5 m=23
